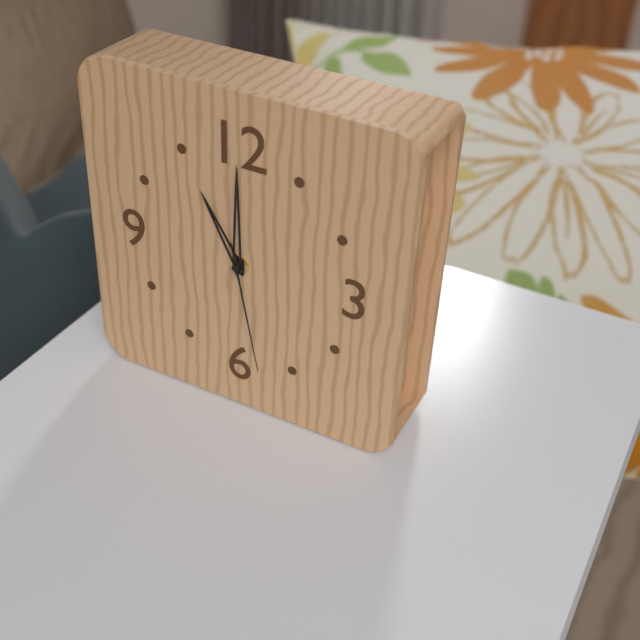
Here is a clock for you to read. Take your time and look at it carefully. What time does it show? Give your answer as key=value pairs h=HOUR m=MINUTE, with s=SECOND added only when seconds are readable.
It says h=11 m=0 s=28
